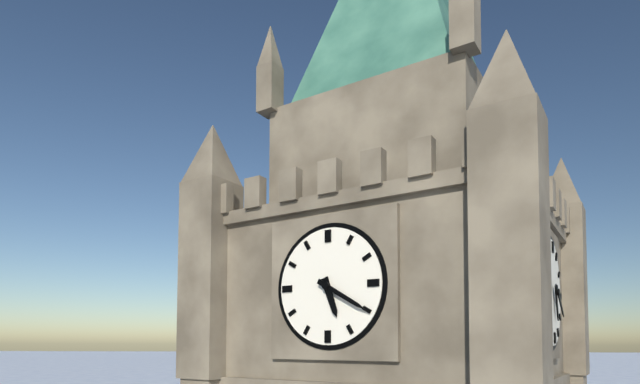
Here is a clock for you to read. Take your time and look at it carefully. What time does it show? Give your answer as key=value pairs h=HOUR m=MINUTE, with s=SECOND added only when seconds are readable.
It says h=5 m=20
